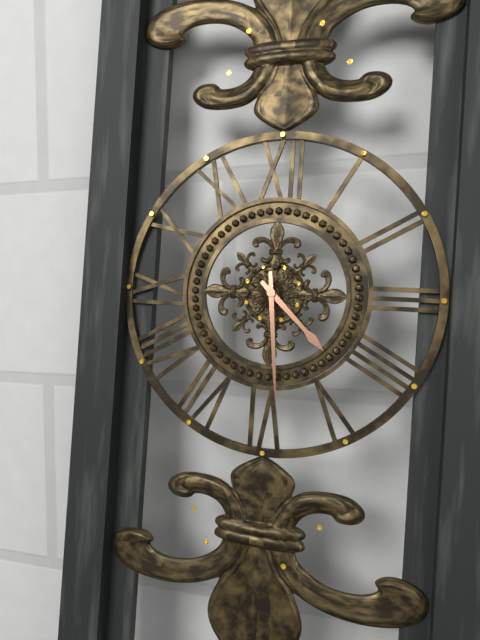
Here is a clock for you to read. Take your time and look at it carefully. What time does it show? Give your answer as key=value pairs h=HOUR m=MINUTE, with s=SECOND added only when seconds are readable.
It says h=4 m=29
